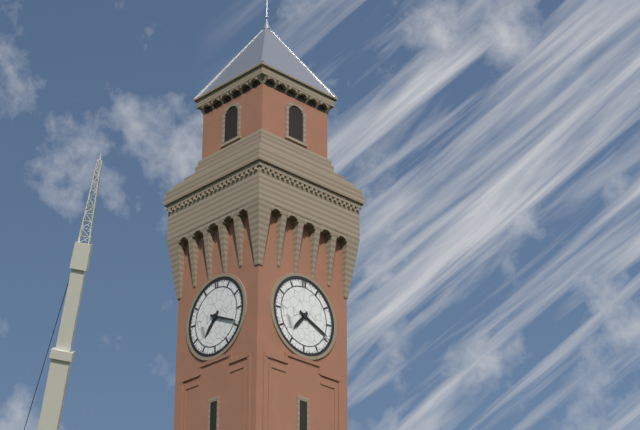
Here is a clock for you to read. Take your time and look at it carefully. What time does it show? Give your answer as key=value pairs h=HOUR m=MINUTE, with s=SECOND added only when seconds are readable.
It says h=7 m=19
